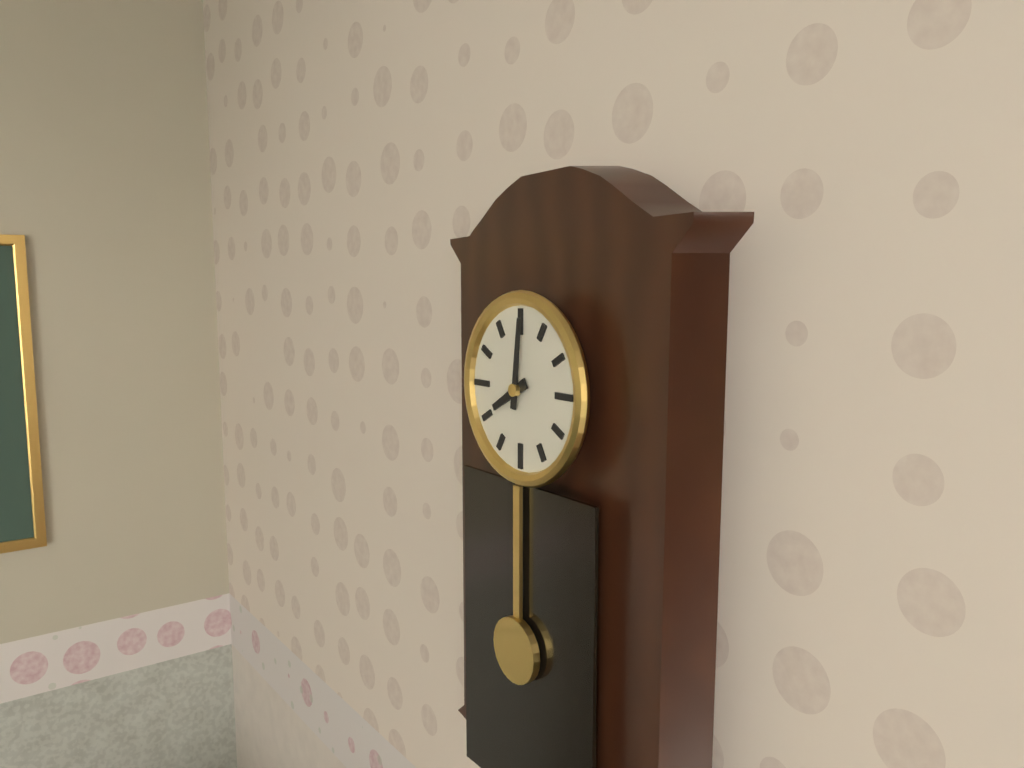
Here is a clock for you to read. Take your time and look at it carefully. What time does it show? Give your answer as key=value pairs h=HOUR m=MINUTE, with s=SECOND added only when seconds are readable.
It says h=8 m=1
